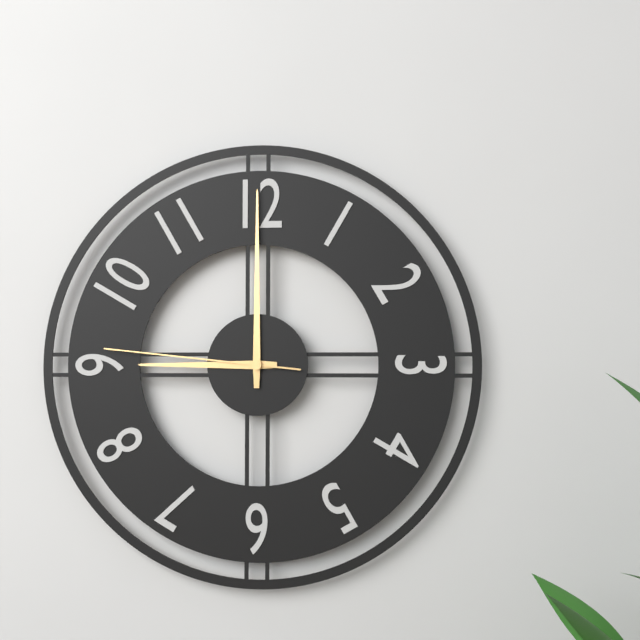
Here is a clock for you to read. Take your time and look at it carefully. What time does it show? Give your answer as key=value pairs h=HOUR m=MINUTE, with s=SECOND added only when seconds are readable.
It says h=9 m=0 s=46
